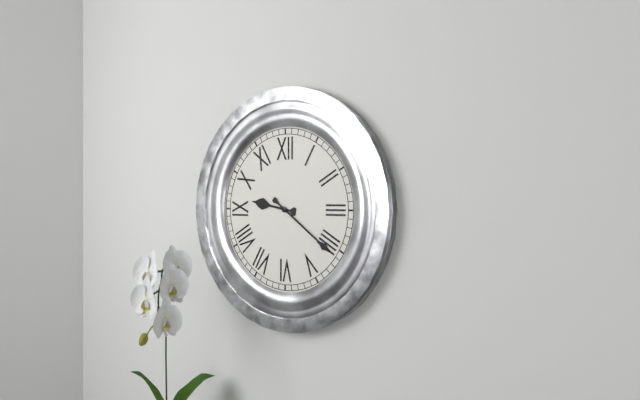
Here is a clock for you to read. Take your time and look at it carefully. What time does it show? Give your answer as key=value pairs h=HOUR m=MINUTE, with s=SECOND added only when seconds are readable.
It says h=9 m=21
